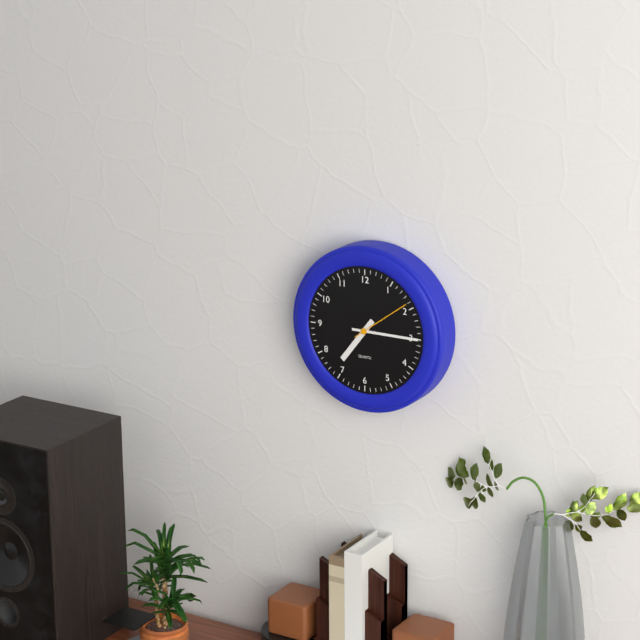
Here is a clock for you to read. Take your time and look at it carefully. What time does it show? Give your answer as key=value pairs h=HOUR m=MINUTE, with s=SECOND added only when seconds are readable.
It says h=7 m=15 s=9
